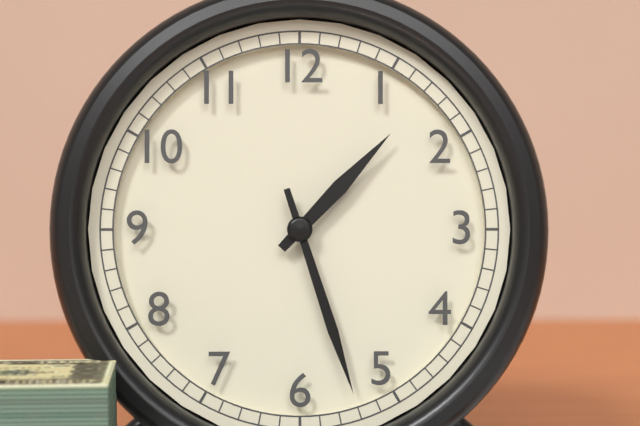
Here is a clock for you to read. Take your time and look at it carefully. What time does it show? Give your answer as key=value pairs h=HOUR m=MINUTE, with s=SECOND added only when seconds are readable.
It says h=1 m=27
